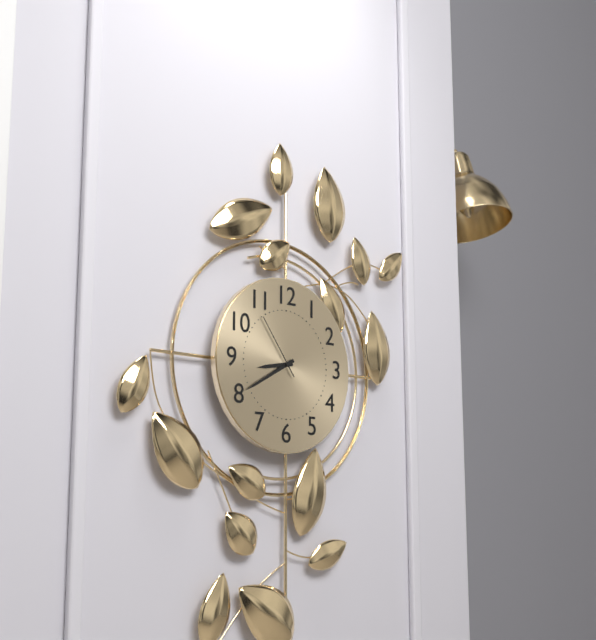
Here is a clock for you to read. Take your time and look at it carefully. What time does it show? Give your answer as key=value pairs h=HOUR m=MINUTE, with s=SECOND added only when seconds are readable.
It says h=8 m=40 s=54
